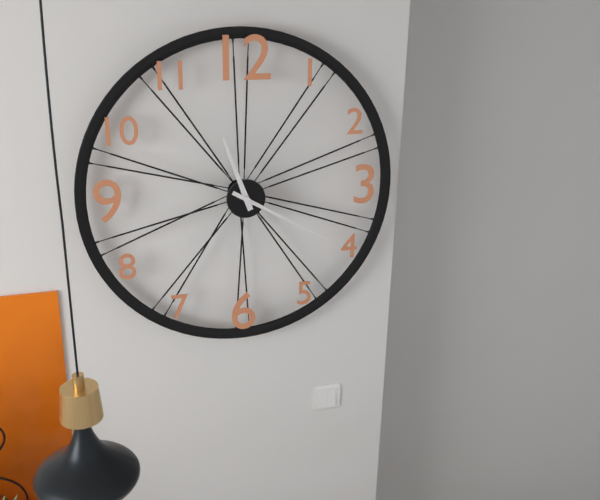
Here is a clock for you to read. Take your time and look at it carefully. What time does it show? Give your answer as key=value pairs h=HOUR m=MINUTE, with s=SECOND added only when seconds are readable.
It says h=11 m=20
